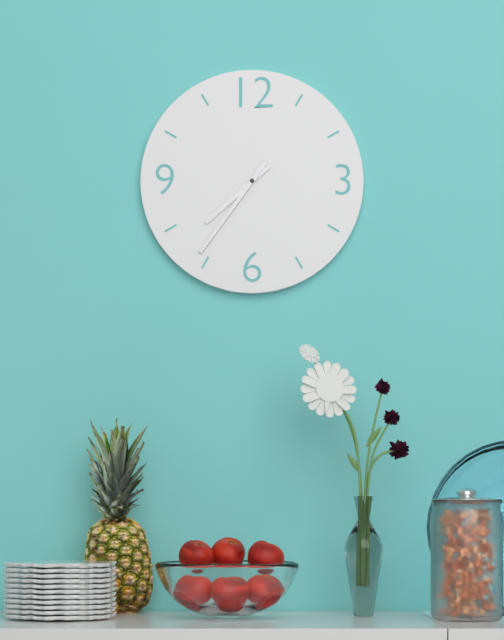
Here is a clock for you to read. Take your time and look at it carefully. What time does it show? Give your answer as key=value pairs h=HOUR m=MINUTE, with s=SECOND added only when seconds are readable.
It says h=7 m=36
